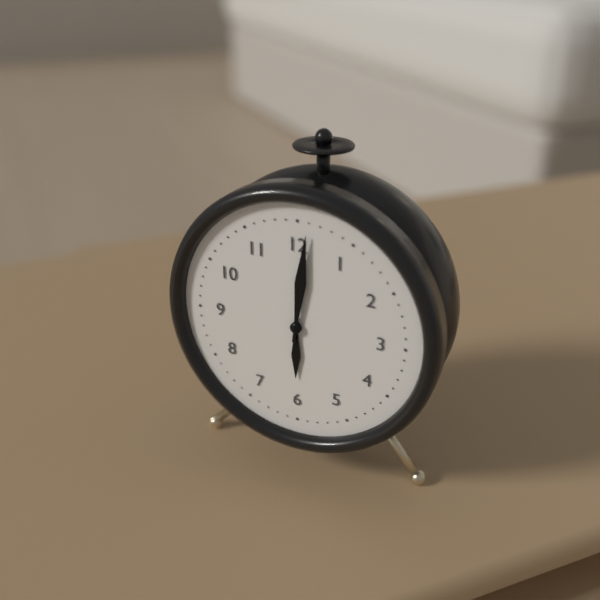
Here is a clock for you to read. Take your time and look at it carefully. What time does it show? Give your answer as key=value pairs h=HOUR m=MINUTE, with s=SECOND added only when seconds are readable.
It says h=6 m=1
